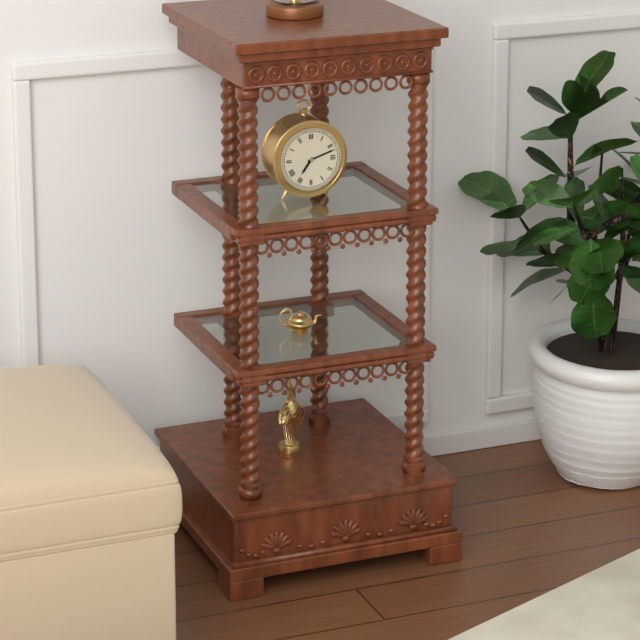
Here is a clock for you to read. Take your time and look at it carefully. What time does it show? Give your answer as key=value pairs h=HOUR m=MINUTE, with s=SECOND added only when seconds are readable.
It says h=7 m=12
